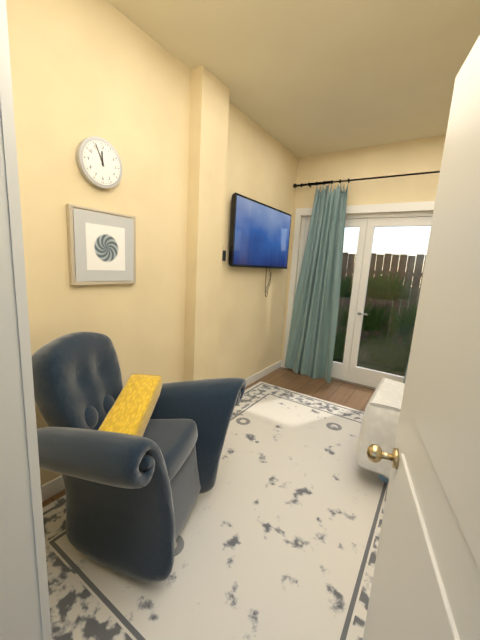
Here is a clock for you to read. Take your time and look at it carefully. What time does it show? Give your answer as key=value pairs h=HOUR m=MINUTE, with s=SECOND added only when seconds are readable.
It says h=11 m=56
